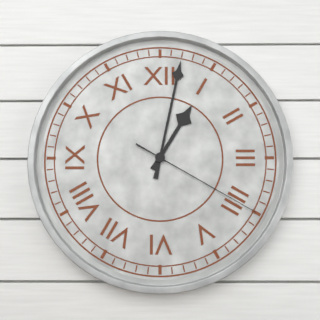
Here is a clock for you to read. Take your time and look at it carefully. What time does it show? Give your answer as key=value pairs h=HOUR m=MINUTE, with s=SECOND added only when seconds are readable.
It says h=1 m=2 s=20
